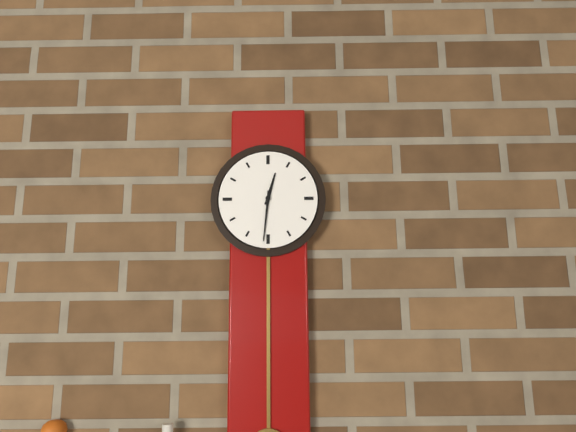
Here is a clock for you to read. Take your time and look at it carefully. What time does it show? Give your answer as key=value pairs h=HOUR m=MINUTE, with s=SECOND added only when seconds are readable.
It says h=12 m=31
